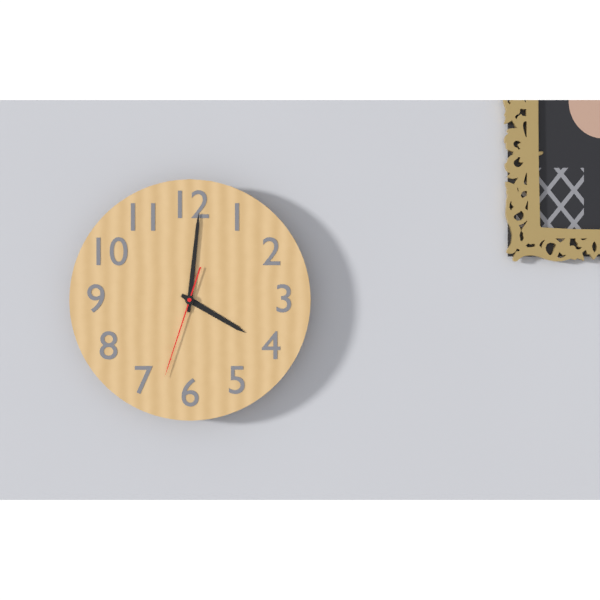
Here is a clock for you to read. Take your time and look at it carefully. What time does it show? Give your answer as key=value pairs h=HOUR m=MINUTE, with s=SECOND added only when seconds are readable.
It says h=4 m=1 s=33
